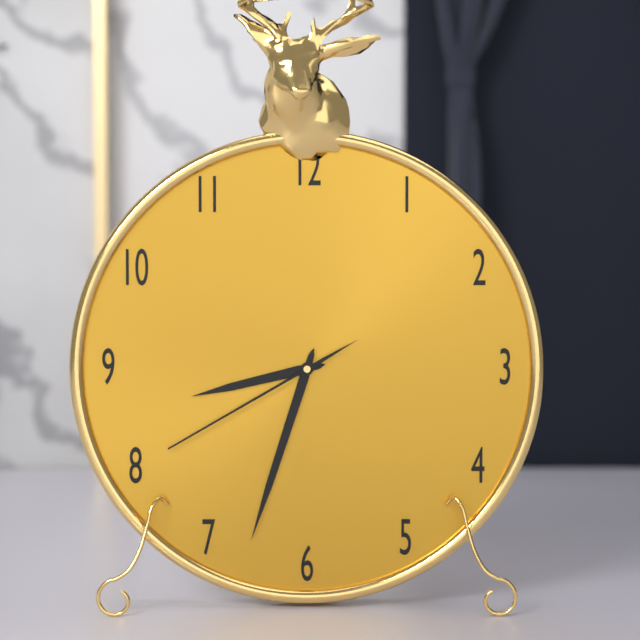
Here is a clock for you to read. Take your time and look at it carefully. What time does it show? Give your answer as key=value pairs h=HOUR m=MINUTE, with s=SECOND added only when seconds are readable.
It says h=8 m=33 s=40
